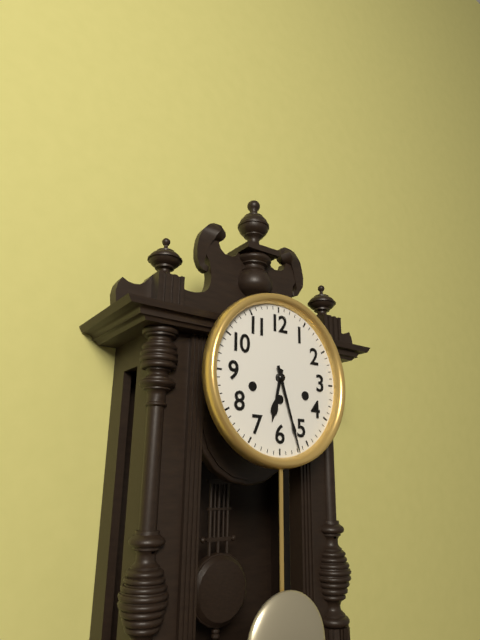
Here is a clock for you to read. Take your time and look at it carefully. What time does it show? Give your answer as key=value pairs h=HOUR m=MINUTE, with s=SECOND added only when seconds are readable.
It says h=6 m=27
